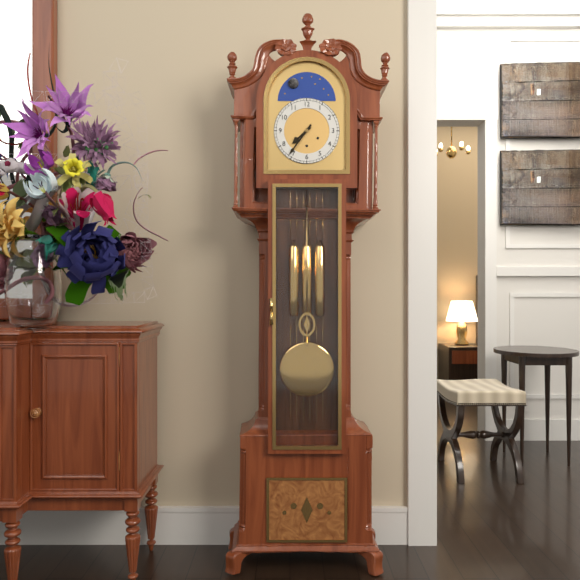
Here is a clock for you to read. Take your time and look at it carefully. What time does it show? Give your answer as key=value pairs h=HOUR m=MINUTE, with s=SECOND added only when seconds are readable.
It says h=7 m=36
